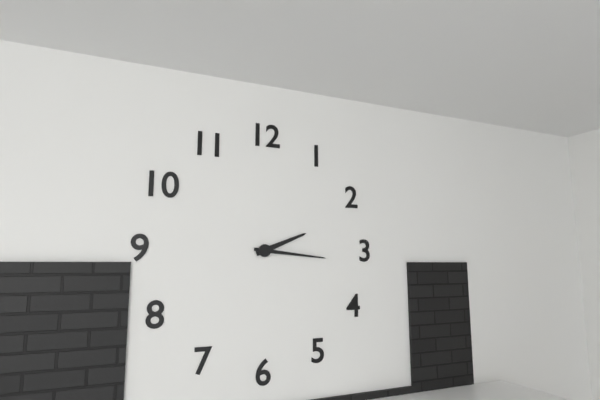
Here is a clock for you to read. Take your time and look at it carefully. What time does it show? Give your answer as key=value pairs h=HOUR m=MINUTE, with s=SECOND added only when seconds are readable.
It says h=2 m=16
